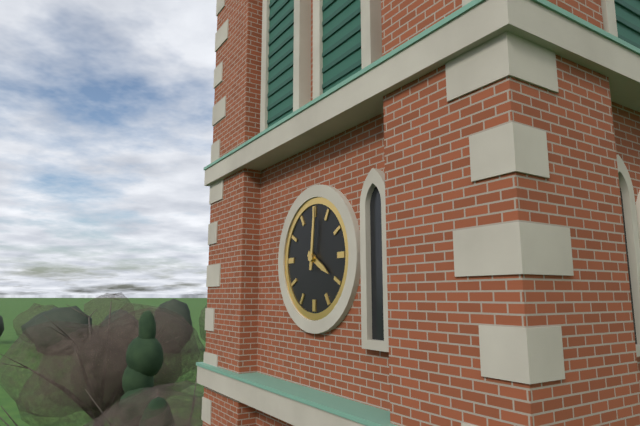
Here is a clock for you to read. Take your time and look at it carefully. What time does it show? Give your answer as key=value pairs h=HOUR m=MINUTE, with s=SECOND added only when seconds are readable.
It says h=4 m=1
